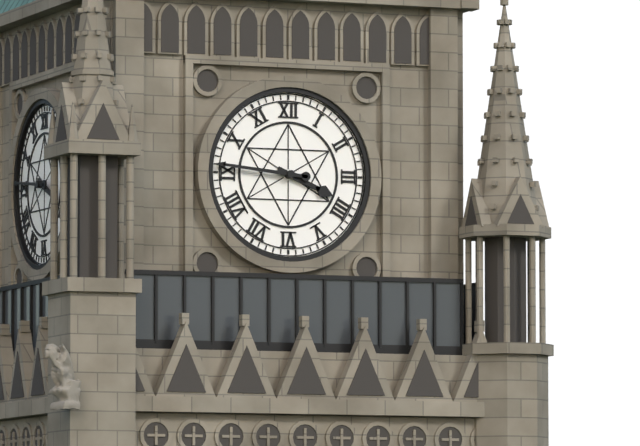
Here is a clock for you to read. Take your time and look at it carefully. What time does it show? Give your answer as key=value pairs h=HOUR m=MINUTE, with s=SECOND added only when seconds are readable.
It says h=3 m=46
